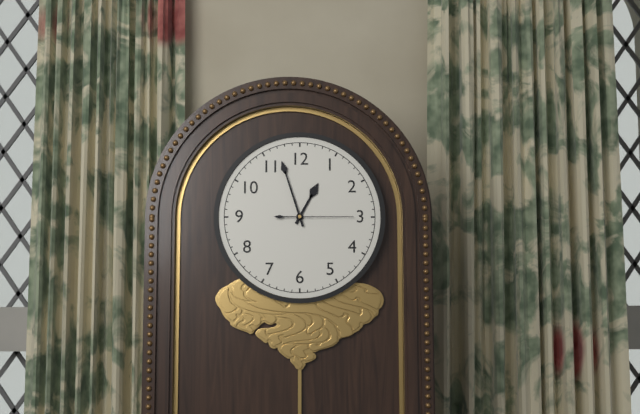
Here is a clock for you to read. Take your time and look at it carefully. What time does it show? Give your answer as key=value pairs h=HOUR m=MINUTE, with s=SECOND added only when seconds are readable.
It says h=12 m=57 s=15
